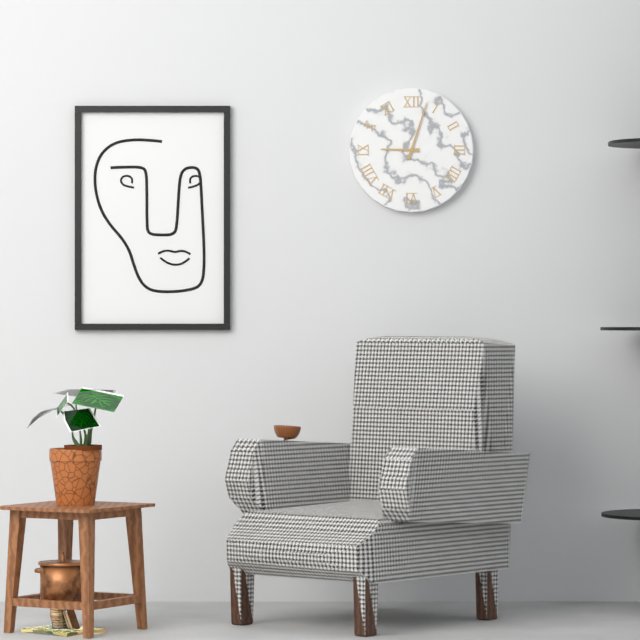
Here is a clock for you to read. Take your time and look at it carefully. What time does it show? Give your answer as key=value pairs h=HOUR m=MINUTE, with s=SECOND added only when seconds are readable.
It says h=9 m=3
